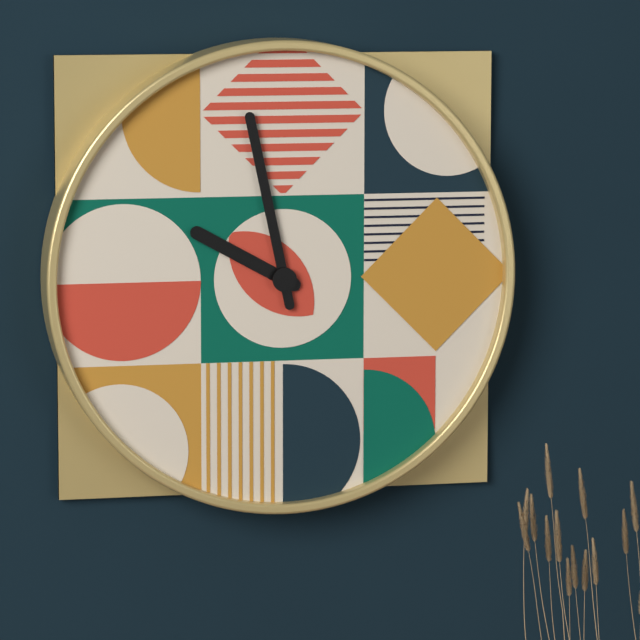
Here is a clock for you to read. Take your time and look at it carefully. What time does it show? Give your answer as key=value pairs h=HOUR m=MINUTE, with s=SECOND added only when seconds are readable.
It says h=9 m=58
